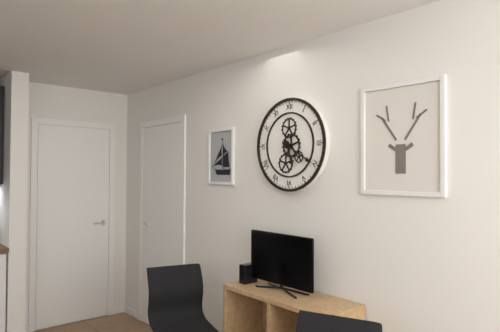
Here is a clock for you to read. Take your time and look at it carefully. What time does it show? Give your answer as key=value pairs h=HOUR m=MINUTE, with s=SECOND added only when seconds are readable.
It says h=5 m=20
